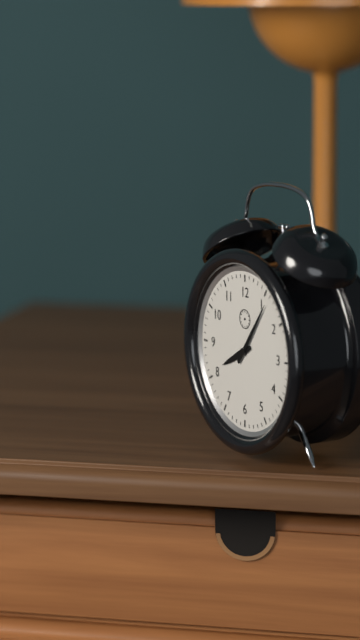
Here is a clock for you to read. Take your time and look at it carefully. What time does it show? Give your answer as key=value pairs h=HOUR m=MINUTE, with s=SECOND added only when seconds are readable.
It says h=8 m=6
